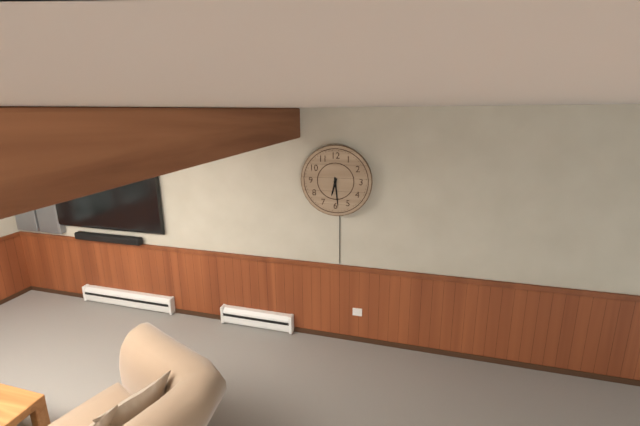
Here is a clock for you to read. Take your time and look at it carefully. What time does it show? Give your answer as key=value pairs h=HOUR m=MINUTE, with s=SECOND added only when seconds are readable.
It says h=6 m=29
